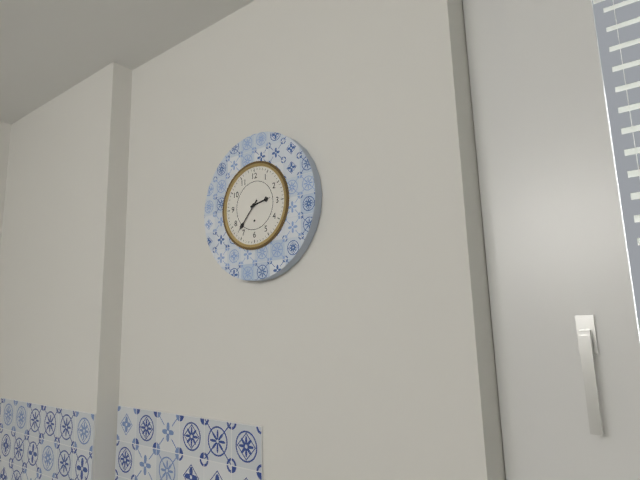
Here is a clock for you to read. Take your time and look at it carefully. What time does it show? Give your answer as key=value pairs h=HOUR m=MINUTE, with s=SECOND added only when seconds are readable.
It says h=2 m=37
